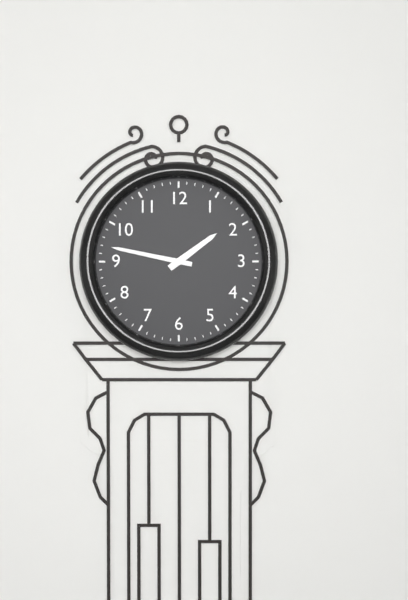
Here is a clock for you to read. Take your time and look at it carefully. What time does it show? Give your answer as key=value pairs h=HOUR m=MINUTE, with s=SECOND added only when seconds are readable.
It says h=1 m=47
